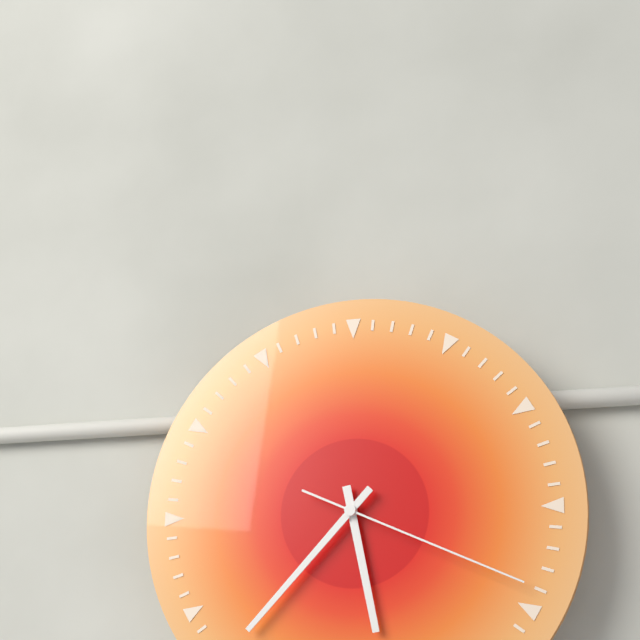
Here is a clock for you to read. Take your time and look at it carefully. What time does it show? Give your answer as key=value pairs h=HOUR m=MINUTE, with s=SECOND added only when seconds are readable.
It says h=5 m=37 s=19
